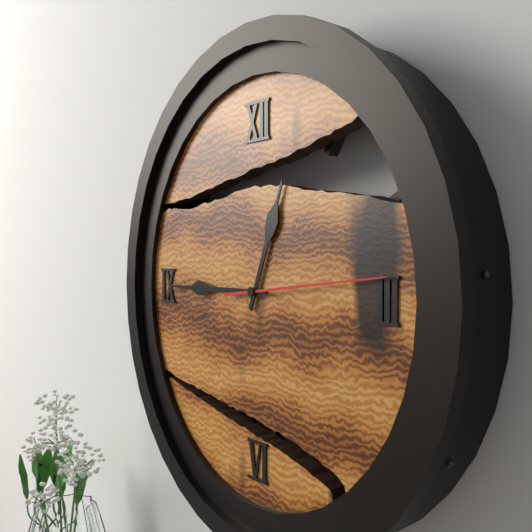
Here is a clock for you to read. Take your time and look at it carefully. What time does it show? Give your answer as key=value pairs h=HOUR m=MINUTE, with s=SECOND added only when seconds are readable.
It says h=12 m=45 s=14
